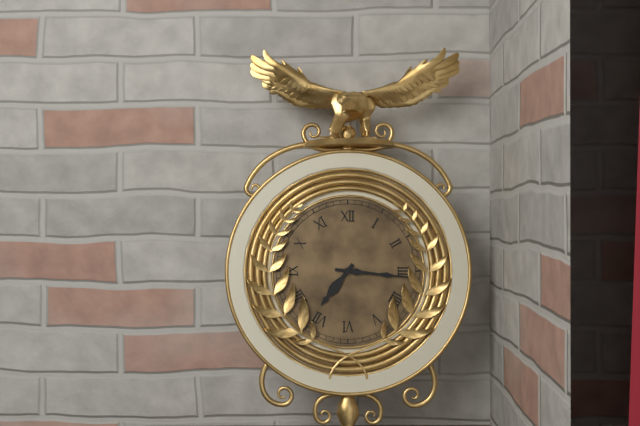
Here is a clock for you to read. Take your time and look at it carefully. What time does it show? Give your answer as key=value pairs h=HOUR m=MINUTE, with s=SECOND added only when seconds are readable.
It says h=7 m=16
